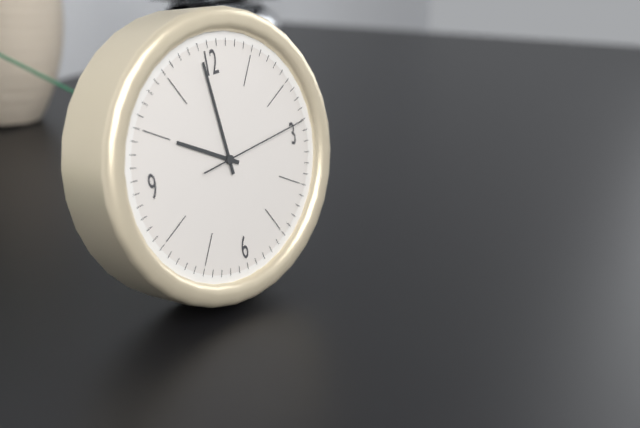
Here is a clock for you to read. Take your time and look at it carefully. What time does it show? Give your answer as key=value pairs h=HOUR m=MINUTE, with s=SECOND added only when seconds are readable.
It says h=9 m=59 s=14
